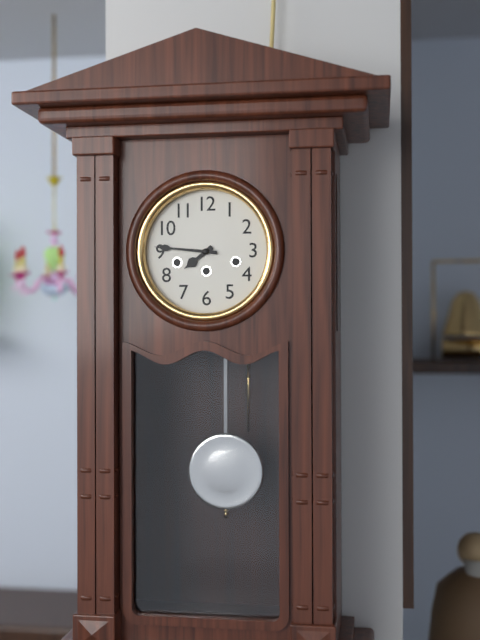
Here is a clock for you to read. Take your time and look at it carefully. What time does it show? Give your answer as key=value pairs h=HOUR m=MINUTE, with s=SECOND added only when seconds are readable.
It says h=7 m=46
